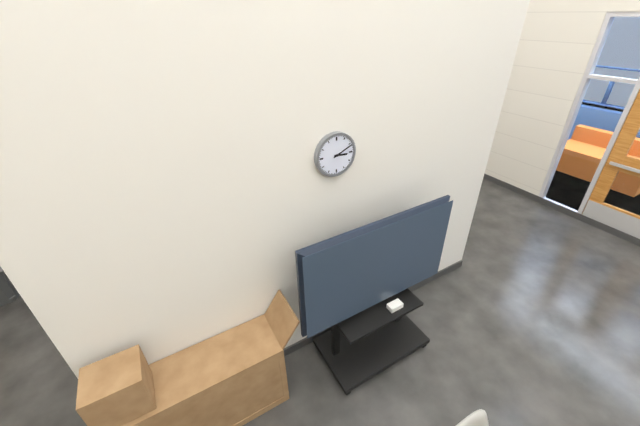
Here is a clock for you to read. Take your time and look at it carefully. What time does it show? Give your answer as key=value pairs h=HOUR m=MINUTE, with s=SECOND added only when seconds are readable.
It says h=3 m=11
